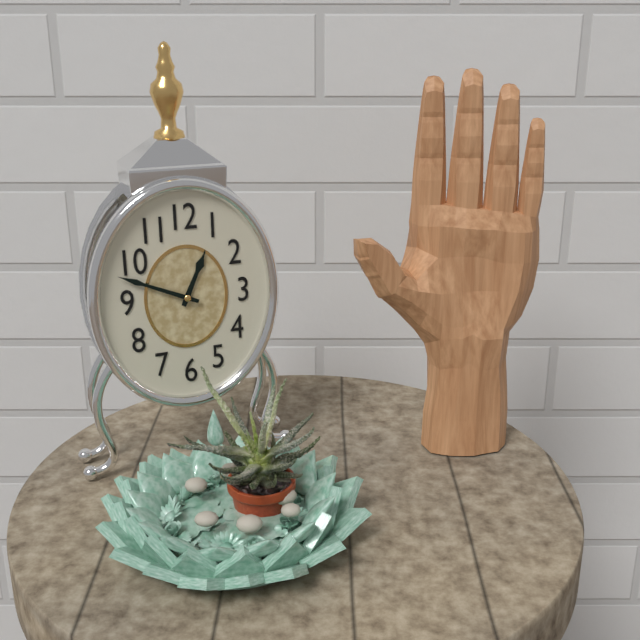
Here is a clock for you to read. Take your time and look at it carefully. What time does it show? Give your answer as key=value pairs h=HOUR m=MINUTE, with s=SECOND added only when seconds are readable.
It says h=12 m=49
